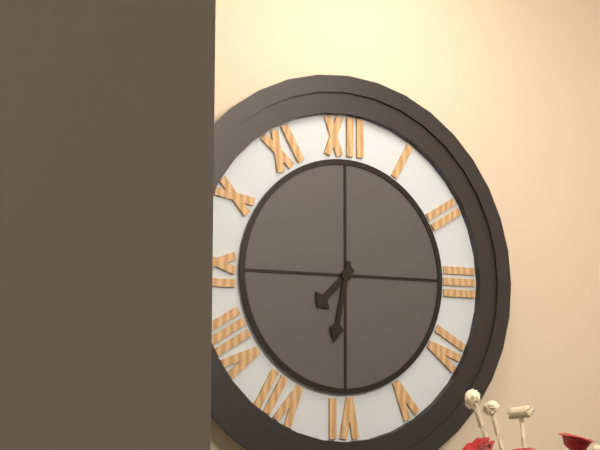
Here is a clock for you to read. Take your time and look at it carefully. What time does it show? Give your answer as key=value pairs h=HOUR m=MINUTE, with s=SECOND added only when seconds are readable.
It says h=7 m=32
